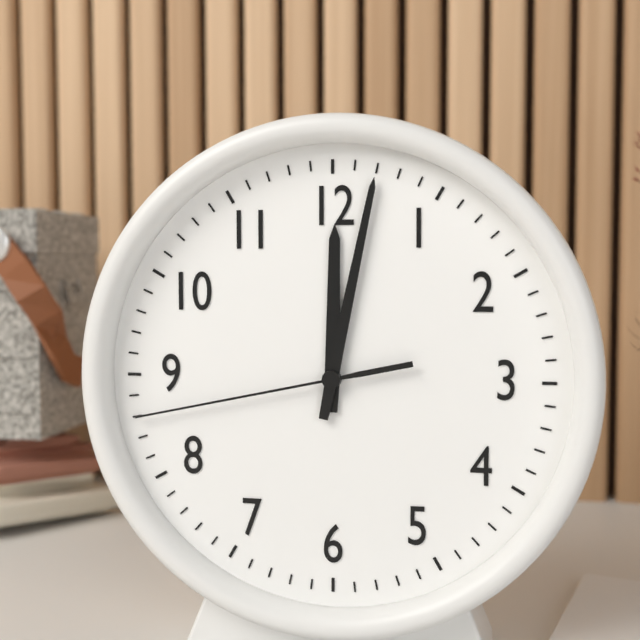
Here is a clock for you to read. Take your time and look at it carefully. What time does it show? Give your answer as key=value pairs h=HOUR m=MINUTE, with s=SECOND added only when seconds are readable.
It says h=12 m=2 s=43
